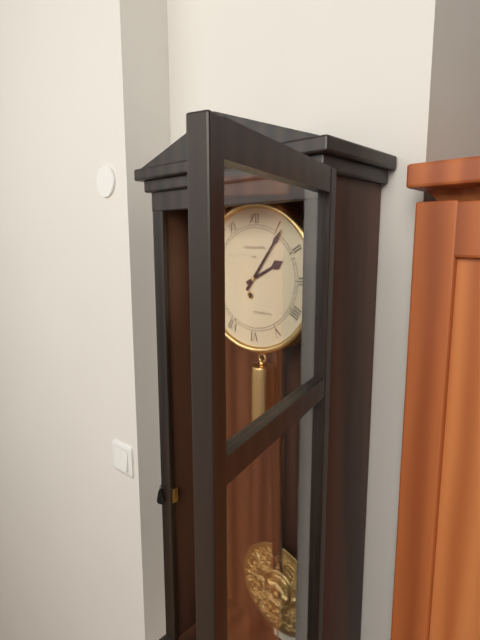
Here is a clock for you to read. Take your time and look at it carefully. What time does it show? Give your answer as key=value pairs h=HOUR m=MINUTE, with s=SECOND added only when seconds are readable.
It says h=2 m=6
